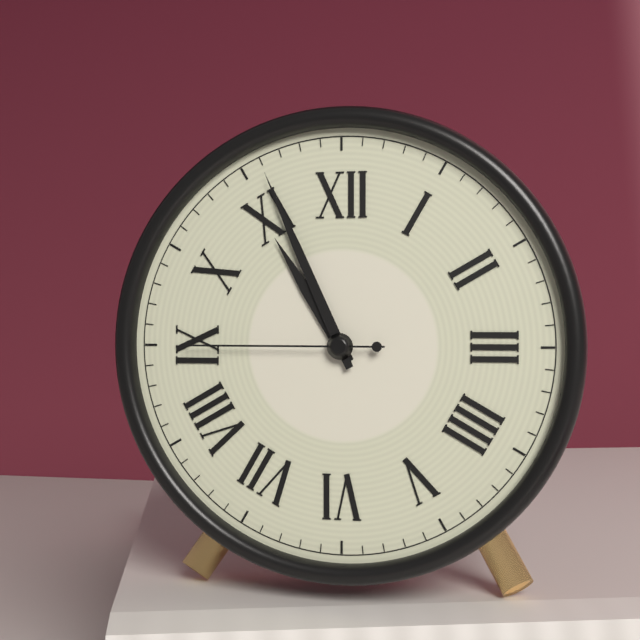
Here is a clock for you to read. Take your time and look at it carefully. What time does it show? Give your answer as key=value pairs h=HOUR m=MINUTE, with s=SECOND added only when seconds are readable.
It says h=10 m=56 s=45
